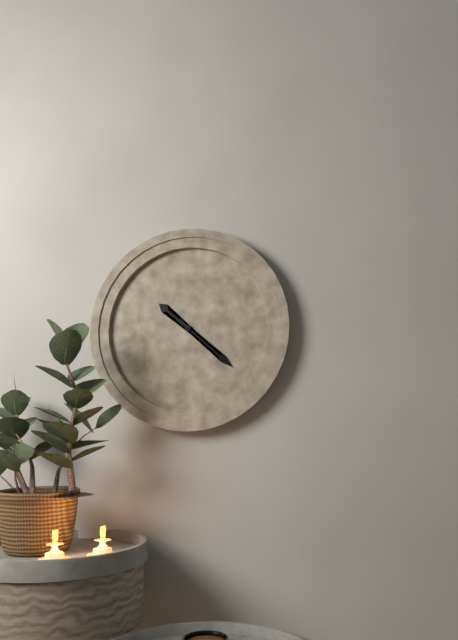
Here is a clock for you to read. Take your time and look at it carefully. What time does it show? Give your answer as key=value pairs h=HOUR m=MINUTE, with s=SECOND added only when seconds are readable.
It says h=10 m=22
